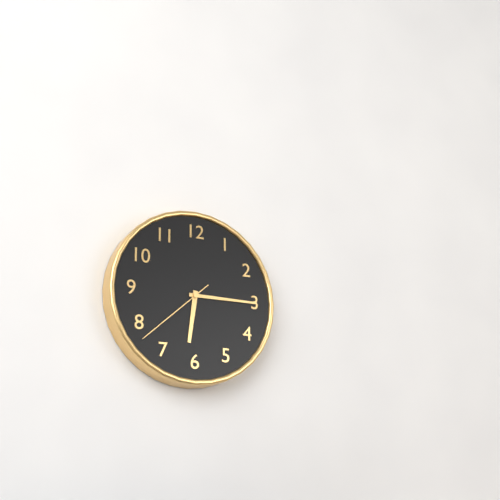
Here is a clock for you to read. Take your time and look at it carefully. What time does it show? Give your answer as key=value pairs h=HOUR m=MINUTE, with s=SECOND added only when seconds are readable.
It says h=6 m=15 s=38
